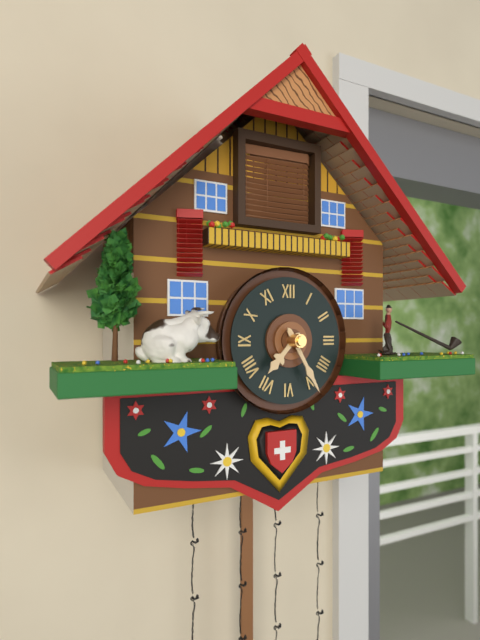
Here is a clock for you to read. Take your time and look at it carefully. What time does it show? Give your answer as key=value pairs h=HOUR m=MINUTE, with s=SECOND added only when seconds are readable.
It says h=7 m=25
